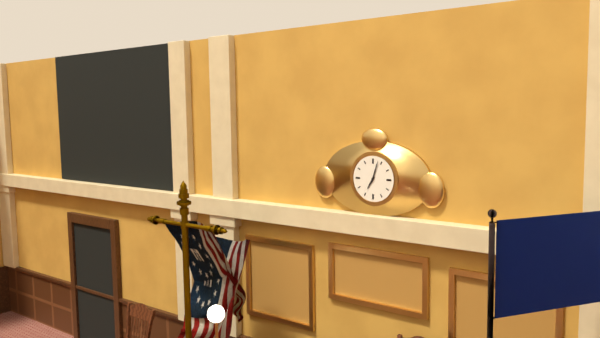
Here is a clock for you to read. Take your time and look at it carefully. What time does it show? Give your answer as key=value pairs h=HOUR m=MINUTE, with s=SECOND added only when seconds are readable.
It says h=7 m=3
